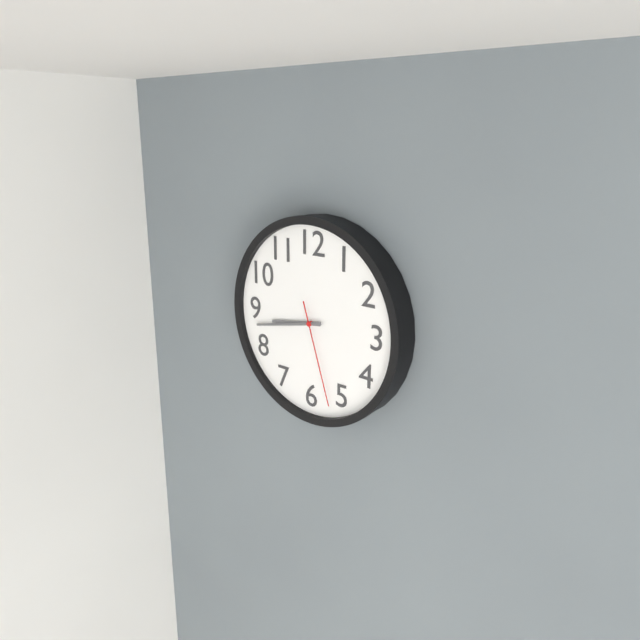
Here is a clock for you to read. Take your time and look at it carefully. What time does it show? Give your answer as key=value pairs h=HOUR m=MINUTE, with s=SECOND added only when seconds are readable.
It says h=8 m=43 s=27
